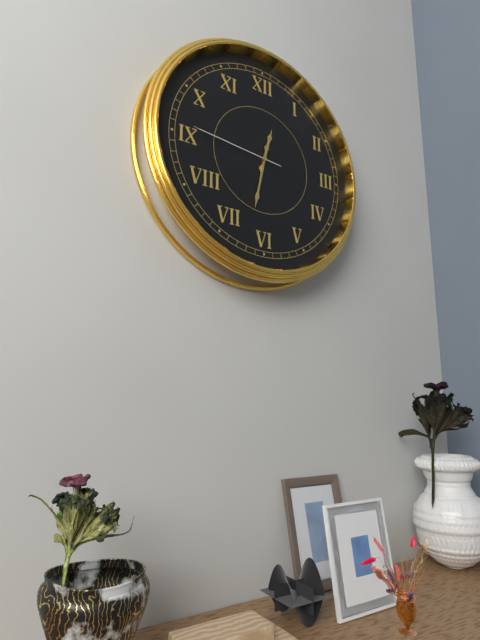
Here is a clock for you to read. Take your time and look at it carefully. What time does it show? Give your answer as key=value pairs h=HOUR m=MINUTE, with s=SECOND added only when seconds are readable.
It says h=12 m=32 s=46
